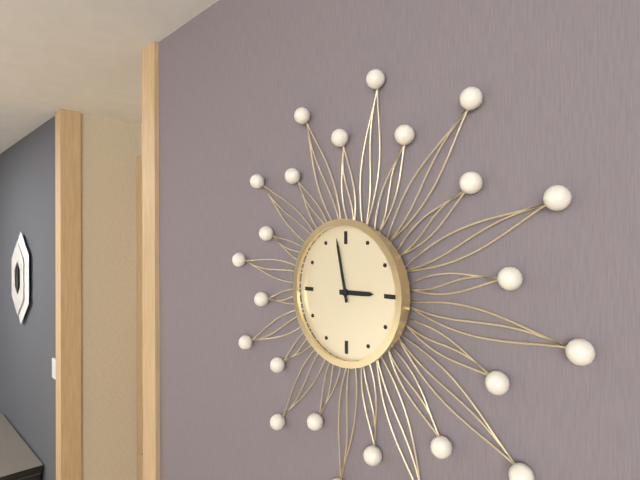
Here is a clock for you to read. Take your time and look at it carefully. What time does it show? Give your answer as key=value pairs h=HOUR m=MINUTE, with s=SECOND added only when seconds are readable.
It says h=2 m=58
